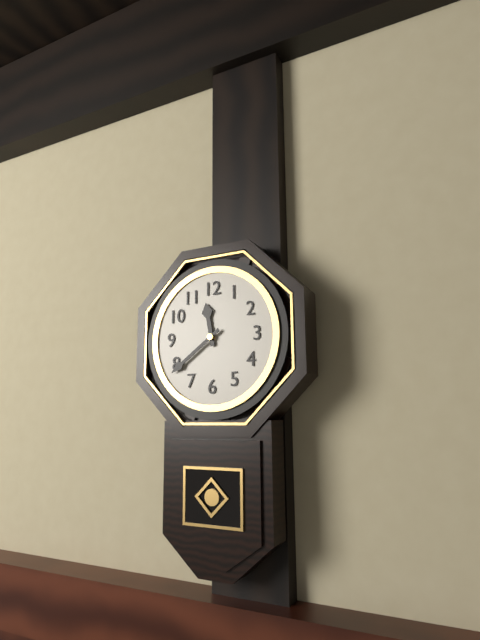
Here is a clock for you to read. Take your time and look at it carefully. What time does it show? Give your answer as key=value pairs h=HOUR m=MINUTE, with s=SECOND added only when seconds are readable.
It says h=11 m=39
